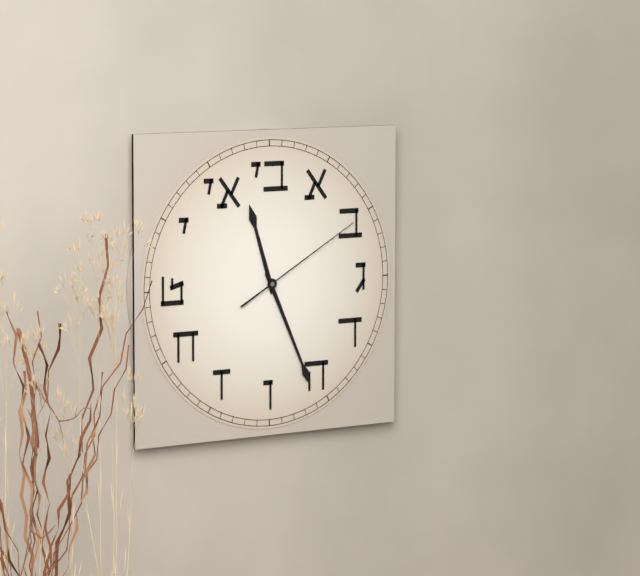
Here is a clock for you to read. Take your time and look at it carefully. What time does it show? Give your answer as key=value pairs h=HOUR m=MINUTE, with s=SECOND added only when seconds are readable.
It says h=11 m=26 s=10
